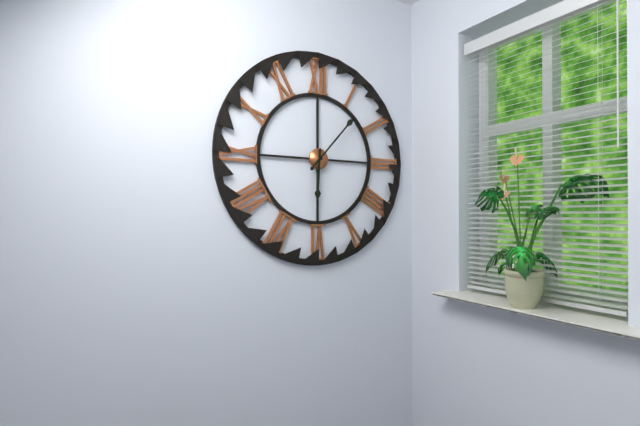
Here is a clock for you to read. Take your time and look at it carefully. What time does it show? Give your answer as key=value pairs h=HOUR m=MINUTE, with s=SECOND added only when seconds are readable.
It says h=6 m=7
